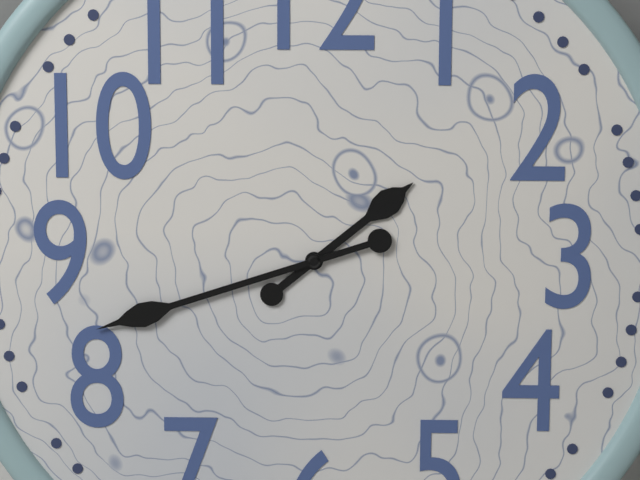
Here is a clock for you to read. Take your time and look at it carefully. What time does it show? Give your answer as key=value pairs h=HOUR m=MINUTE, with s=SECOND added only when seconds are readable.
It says h=1 m=42
